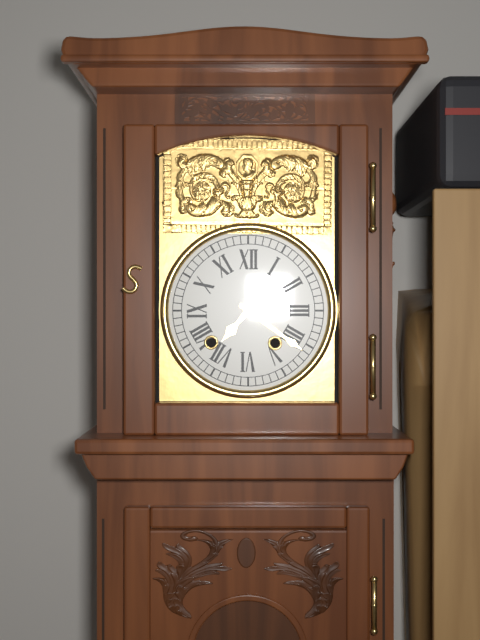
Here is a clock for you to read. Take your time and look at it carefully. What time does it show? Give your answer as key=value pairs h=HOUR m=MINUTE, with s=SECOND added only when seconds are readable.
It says h=7 m=21
